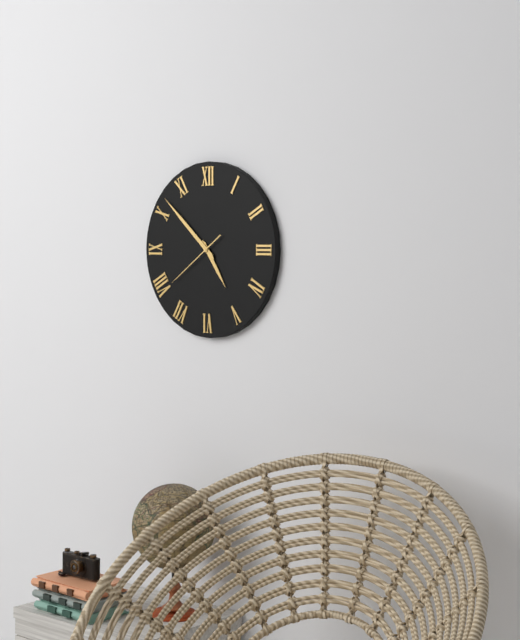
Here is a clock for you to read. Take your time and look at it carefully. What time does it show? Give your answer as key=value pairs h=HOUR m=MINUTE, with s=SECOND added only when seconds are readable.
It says h=4 m=52 s=39
